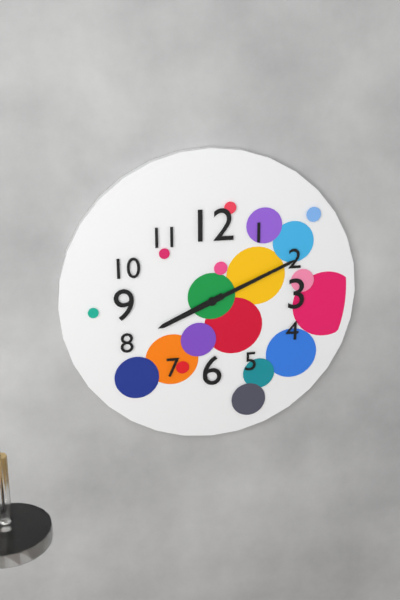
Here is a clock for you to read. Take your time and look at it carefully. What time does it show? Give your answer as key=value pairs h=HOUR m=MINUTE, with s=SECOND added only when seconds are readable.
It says h=8 m=11
